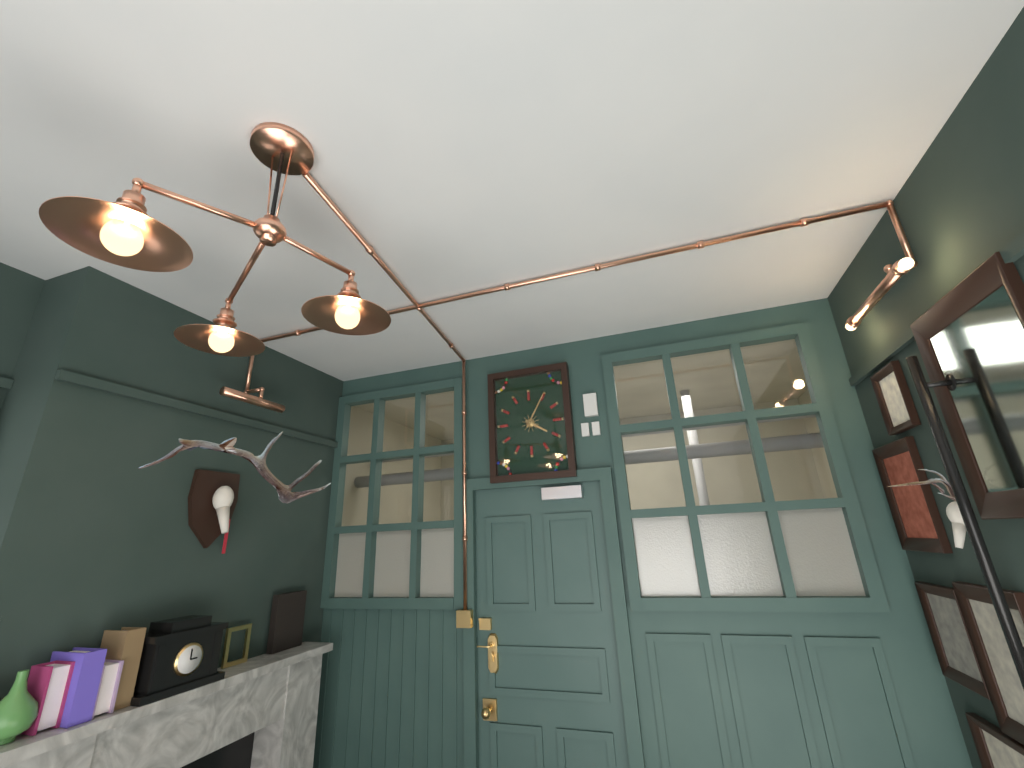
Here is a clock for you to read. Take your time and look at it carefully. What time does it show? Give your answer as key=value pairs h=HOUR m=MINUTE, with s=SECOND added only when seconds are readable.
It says h=4 m=5
